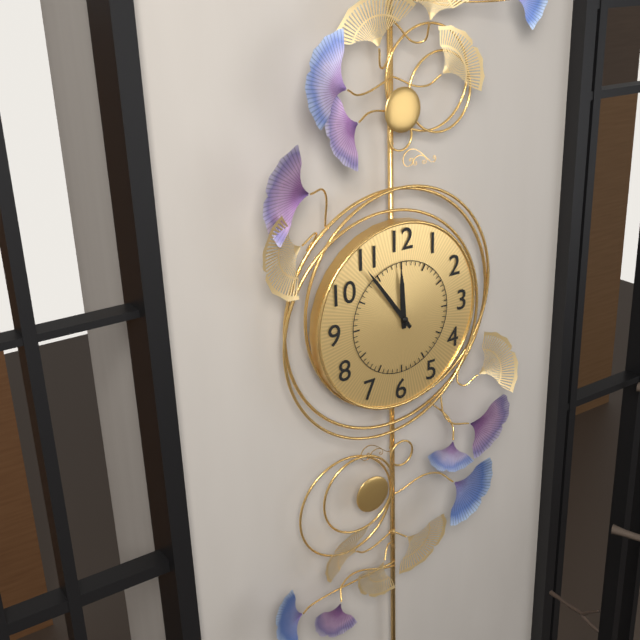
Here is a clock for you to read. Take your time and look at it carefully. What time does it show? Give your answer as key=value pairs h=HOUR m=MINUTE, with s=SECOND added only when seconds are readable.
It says h=11 m=54
